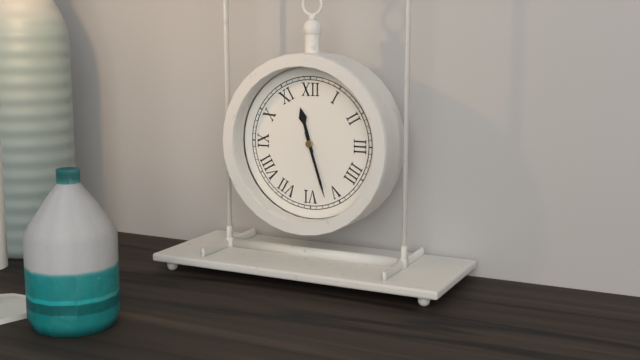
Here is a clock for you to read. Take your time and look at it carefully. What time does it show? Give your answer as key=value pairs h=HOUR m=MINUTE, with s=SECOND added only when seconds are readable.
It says h=11 m=27
